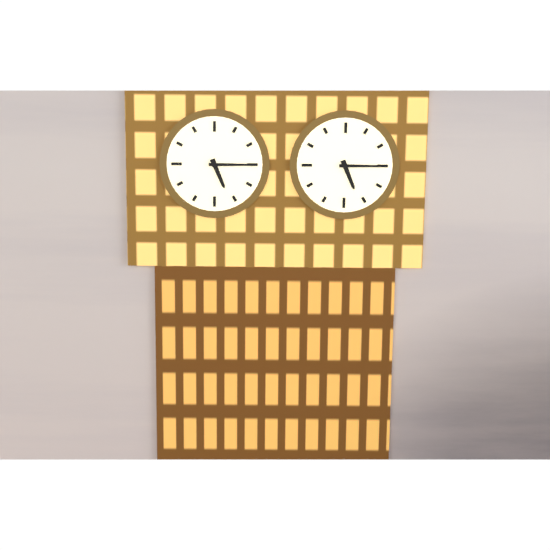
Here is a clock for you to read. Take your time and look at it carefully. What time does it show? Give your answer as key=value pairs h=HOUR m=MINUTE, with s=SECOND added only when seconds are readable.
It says h=5 m=15
